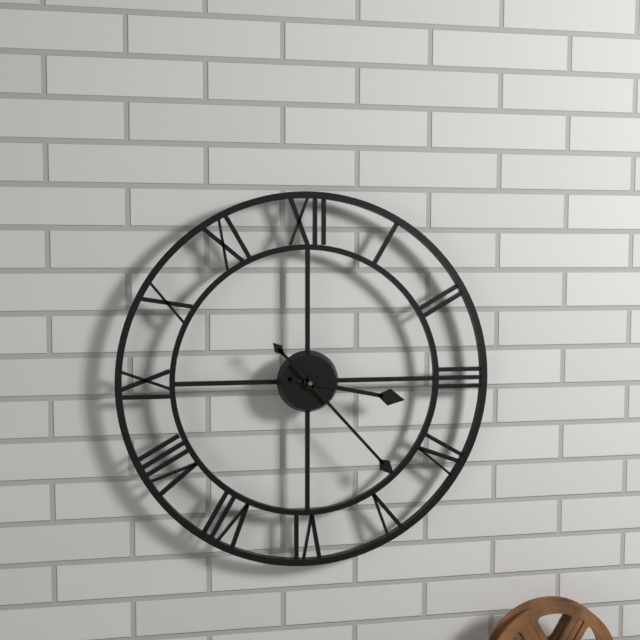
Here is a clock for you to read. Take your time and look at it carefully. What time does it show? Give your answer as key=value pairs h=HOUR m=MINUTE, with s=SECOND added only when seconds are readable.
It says h=3 m=23
